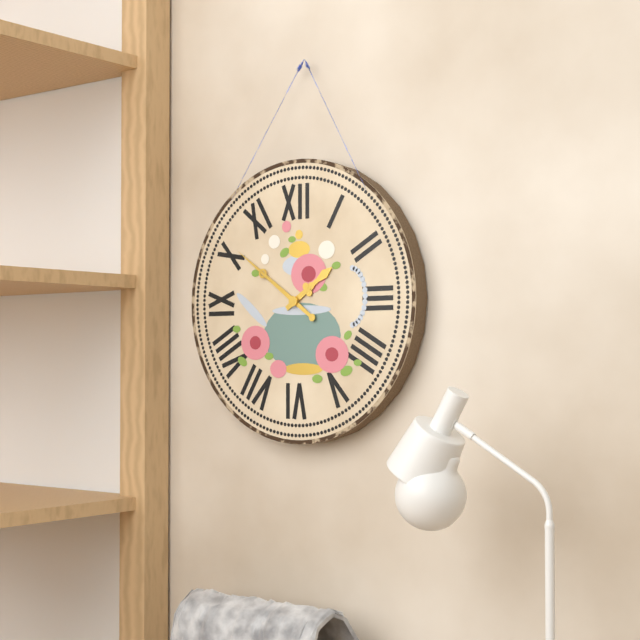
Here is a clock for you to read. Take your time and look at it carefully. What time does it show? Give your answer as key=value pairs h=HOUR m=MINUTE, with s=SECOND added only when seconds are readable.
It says h=1 m=51
